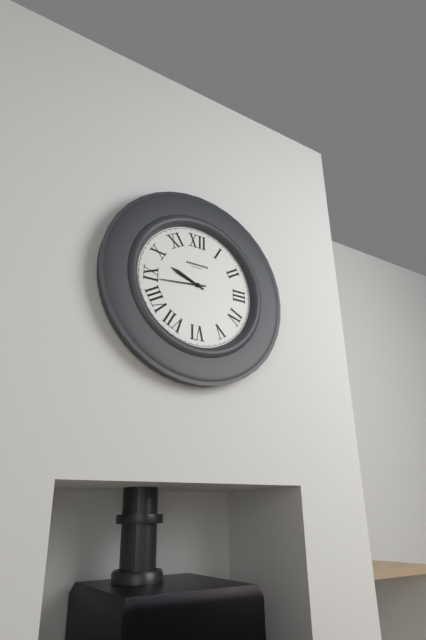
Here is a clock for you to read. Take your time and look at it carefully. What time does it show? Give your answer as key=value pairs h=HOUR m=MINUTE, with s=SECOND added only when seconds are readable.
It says h=9 m=44
